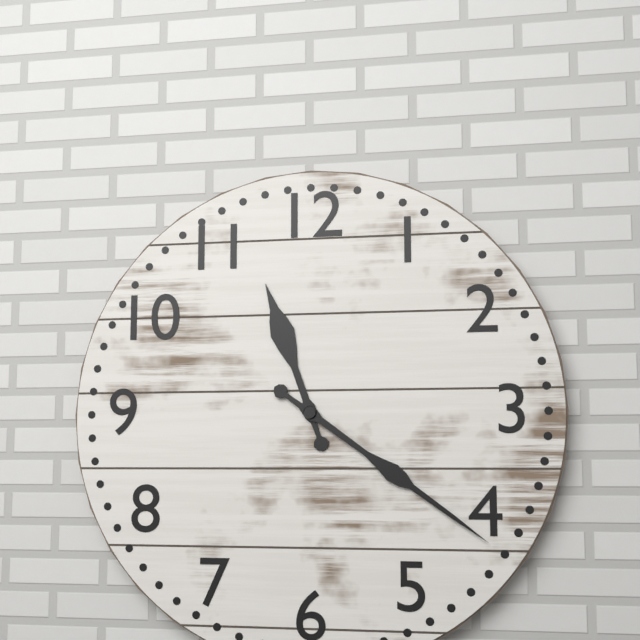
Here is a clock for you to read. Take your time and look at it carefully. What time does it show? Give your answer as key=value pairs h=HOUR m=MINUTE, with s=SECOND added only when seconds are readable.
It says h=11 m=21
